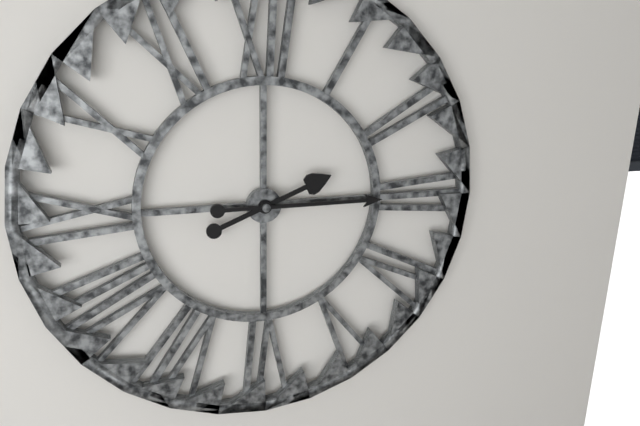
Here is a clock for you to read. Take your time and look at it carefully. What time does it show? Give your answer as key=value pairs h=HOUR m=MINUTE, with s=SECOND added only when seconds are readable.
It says h=2 m=15
